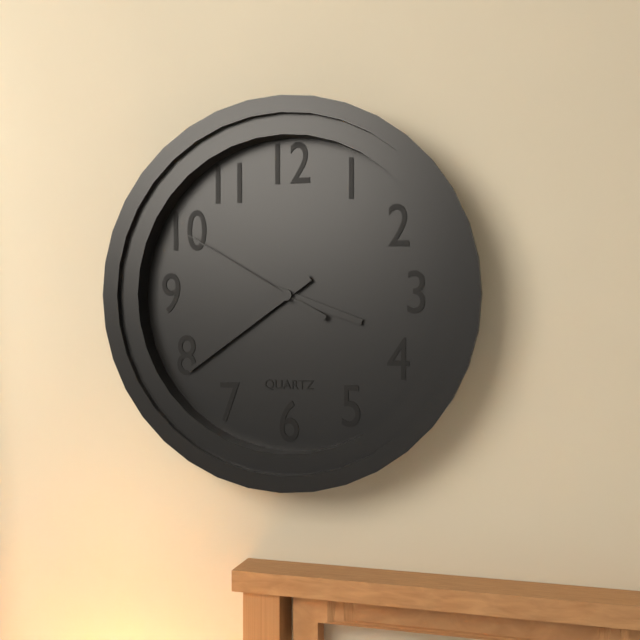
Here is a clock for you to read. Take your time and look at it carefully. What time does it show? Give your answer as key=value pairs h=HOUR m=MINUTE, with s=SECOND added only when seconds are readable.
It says h=3 m=39 s=50
